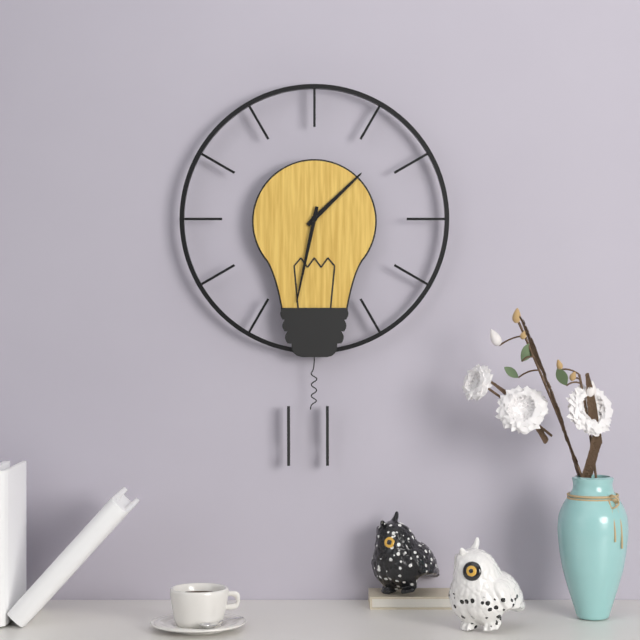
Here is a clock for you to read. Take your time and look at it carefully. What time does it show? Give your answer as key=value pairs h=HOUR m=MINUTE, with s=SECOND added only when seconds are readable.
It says h=1 m=32
